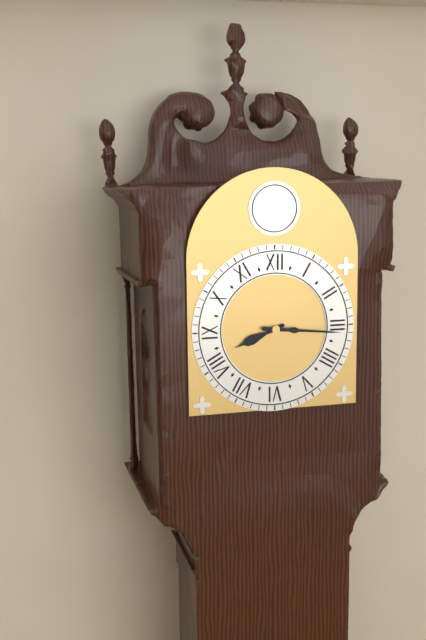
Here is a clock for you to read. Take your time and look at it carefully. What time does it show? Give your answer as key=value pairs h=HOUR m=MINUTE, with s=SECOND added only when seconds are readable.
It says h=8 m=16
